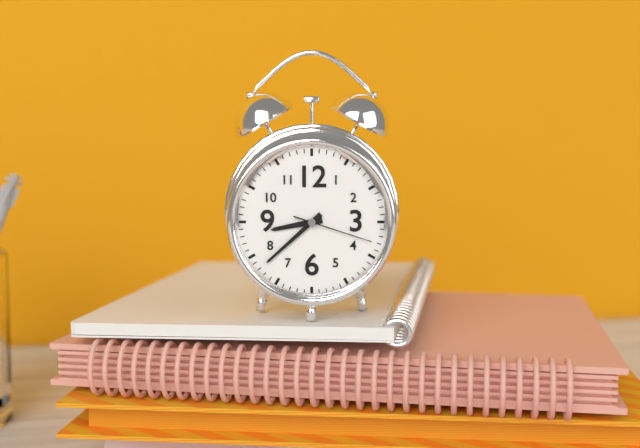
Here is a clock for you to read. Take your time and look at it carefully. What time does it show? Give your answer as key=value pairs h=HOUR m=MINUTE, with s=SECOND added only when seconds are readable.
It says h=8 m=38 s=18
